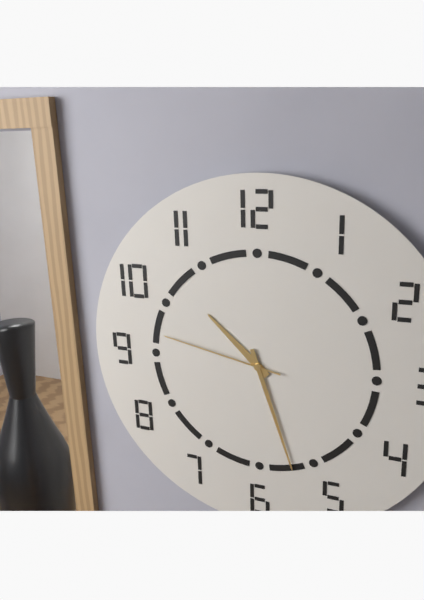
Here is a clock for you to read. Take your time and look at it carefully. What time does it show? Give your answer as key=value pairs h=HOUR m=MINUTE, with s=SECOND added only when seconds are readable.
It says h=10 m=27 s=47
